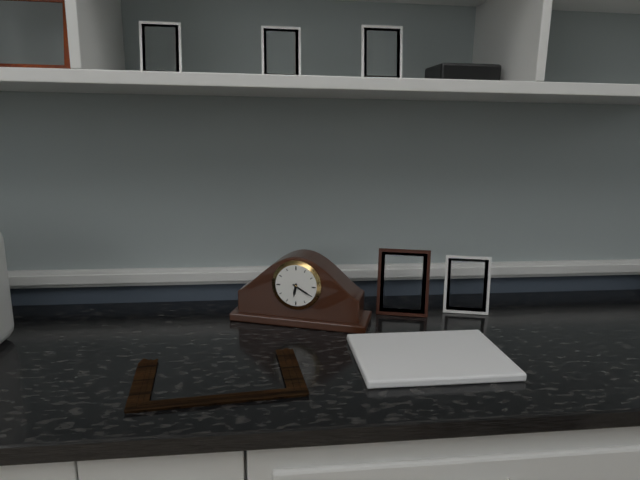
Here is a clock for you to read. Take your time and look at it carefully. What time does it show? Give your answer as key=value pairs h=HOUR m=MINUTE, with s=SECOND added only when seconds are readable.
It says h=6 m=20
